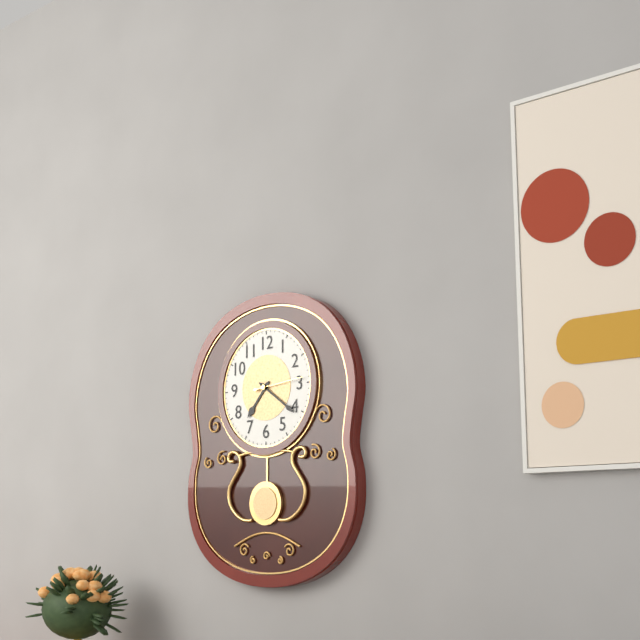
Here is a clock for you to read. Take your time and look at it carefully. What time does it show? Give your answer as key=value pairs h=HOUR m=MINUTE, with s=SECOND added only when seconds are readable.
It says h=7 m=21
